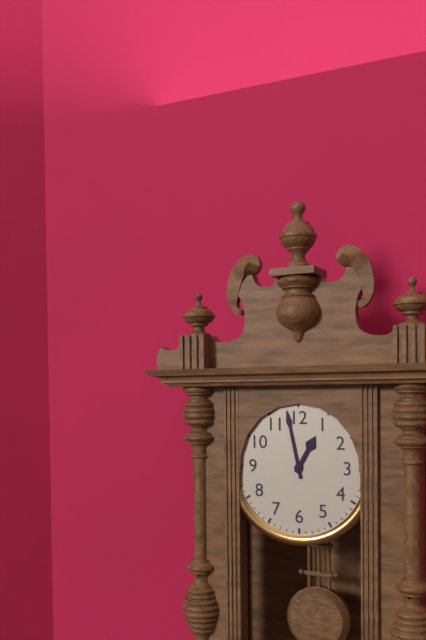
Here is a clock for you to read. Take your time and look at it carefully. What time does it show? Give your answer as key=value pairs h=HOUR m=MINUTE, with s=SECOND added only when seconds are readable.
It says h=12 m=58
